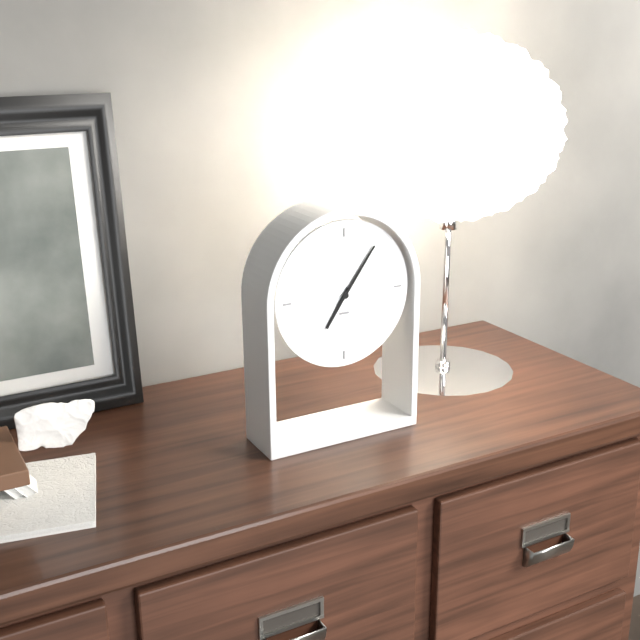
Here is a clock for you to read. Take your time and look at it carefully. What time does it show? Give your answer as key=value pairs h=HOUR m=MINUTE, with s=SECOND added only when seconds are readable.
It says h=7 m=6
